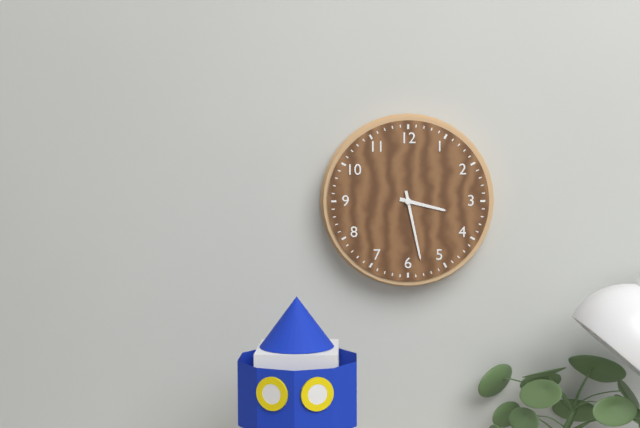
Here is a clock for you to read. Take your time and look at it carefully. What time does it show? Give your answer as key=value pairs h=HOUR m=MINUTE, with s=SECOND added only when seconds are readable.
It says h=3 m=28
